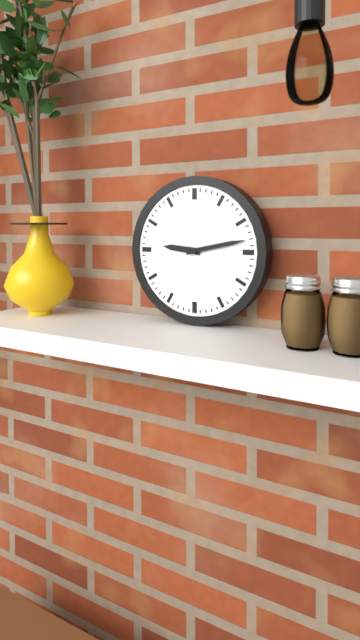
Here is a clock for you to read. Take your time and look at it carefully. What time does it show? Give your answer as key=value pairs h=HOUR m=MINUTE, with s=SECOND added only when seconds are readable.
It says h=9 m=13
